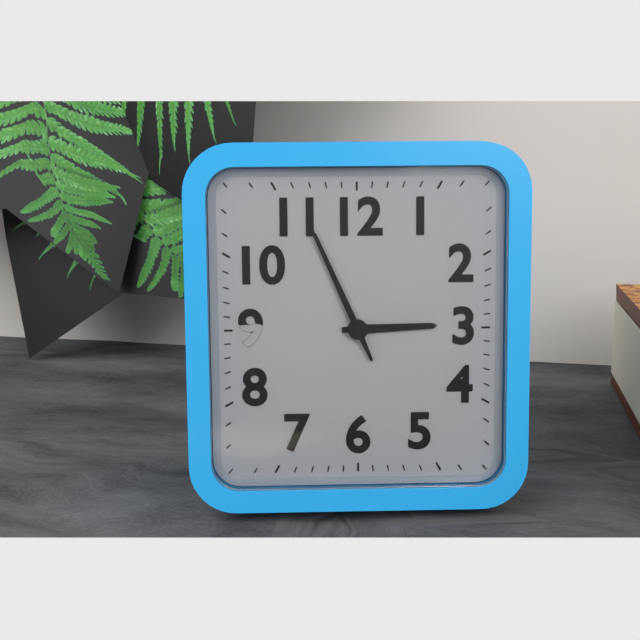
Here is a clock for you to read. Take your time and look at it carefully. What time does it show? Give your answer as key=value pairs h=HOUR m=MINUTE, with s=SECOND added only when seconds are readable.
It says h=2 m=56
